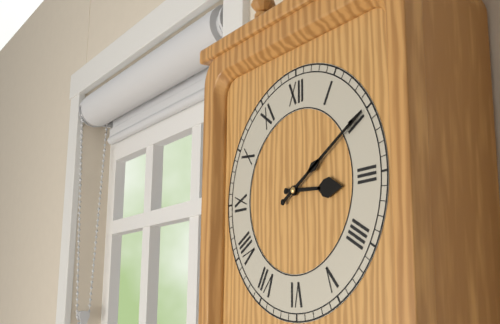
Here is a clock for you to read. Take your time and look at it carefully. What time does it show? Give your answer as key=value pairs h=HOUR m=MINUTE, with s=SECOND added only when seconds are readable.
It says h=3 m=10
